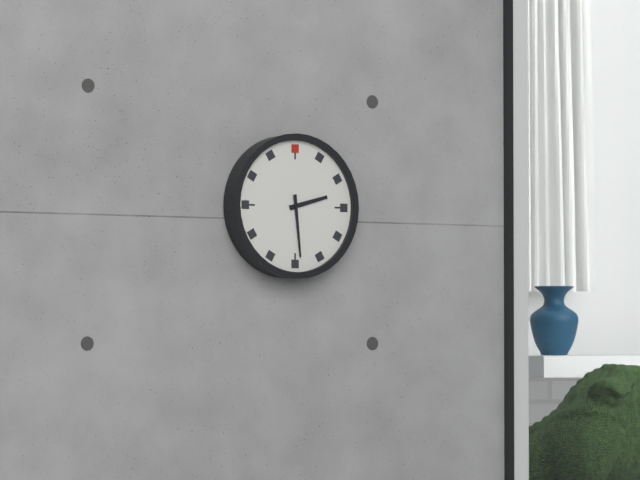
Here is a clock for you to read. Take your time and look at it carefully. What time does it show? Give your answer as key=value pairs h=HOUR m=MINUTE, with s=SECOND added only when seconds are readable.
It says h=2 m=29
